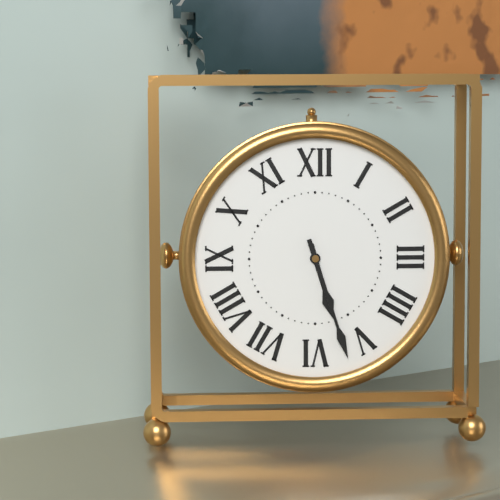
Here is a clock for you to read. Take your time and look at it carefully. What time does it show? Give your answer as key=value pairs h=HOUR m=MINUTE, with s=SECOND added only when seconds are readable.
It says h=5 m=27
